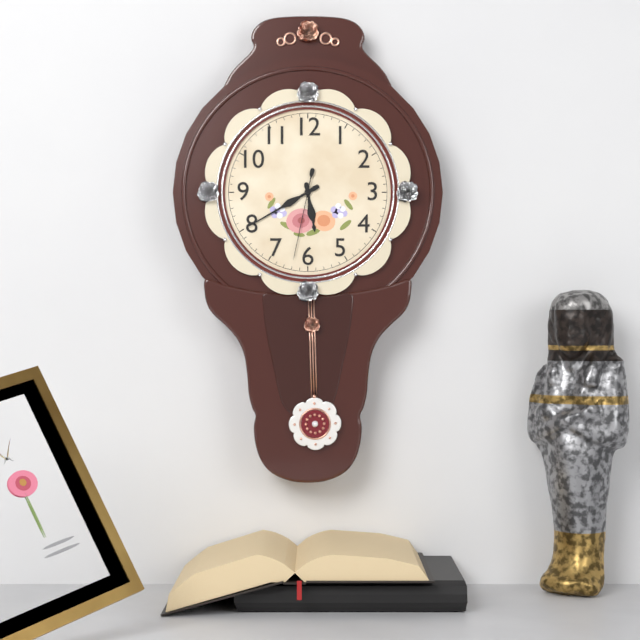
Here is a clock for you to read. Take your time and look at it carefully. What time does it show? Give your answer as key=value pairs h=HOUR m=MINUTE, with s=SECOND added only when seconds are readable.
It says h=5 m=40 s=32
